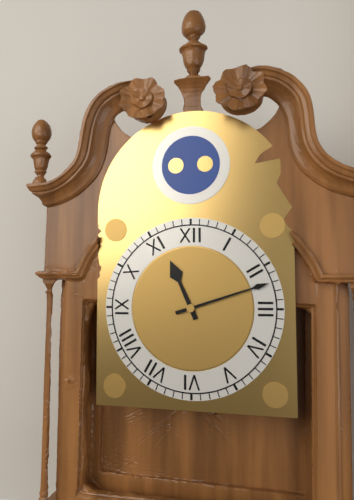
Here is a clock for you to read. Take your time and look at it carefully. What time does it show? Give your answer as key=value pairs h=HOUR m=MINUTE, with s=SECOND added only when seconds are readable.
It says h=11 m=12
